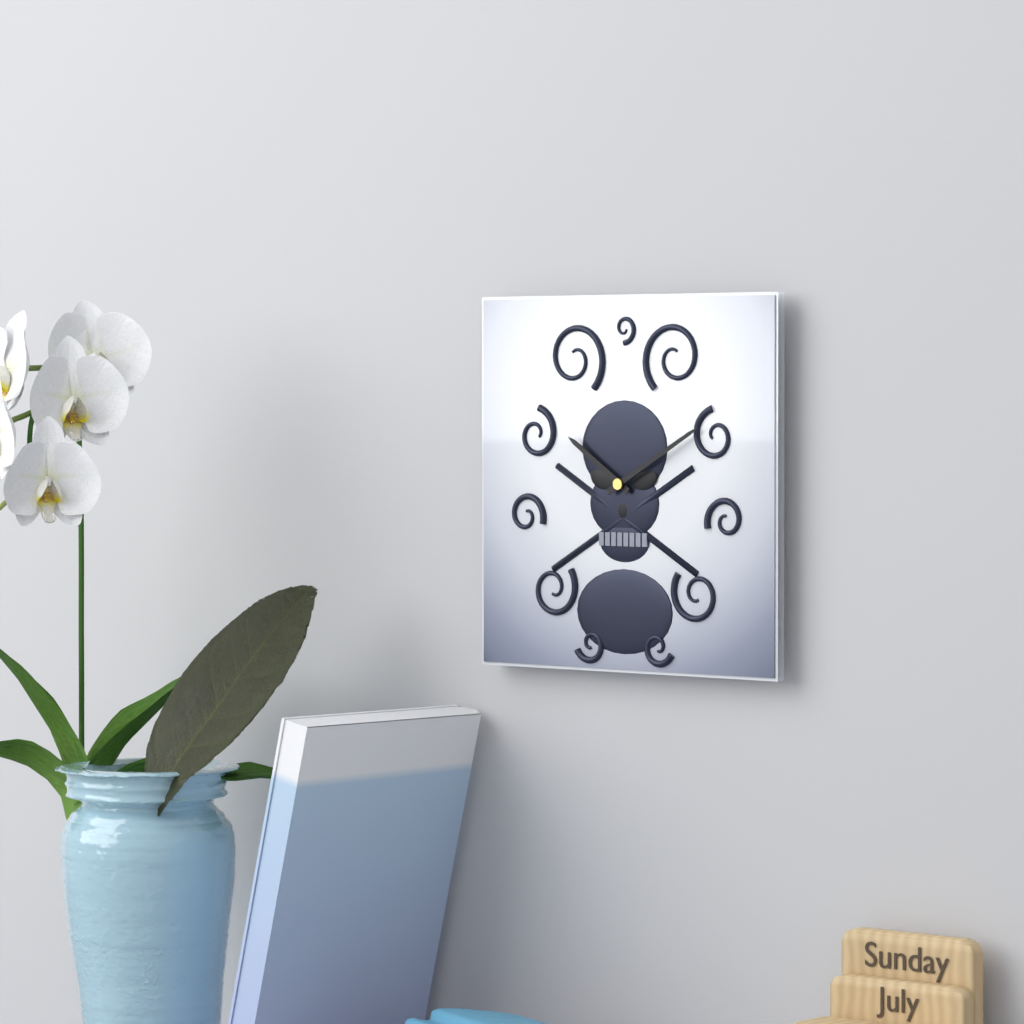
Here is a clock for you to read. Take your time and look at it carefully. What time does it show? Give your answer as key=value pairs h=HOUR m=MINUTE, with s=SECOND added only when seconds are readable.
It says h=10 m=10
